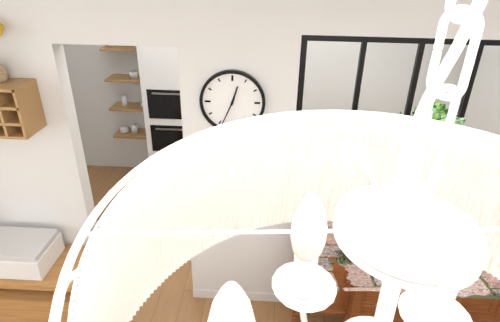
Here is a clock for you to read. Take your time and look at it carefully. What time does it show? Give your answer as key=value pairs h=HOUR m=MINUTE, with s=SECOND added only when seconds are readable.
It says h=12 m=34
